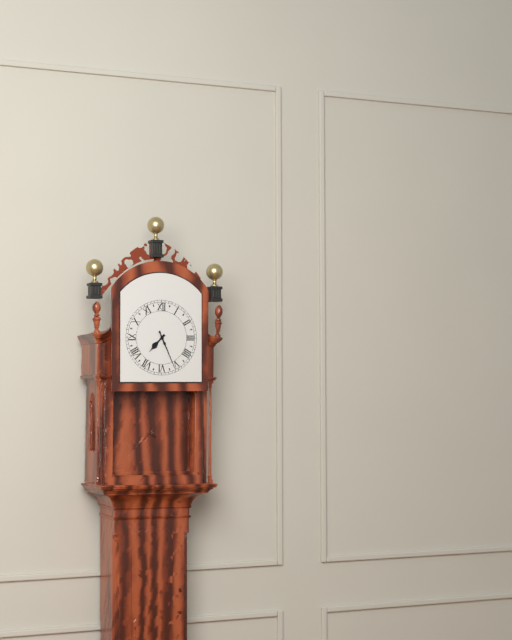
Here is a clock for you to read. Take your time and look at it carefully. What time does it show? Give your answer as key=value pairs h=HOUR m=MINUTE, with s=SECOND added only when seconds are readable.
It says h=7 m=26
